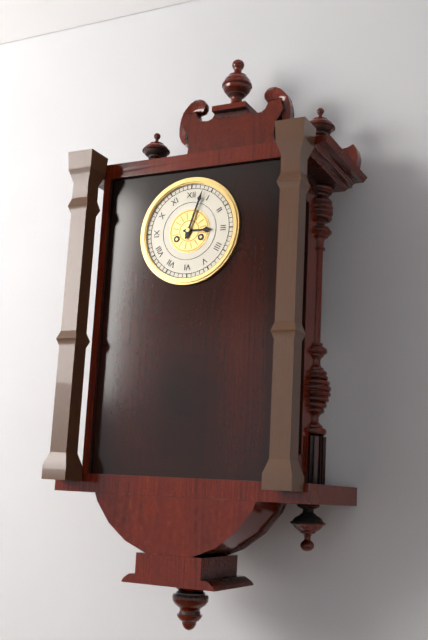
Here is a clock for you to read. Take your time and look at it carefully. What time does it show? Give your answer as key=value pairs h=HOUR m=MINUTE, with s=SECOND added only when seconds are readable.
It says h=3 m=3
